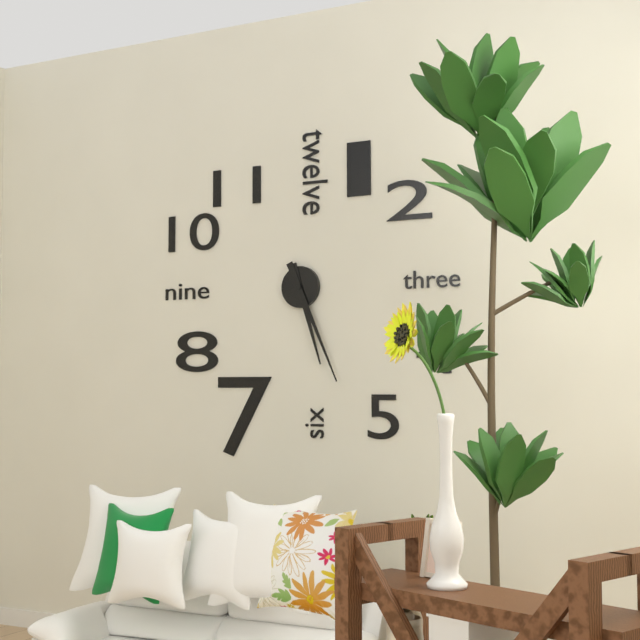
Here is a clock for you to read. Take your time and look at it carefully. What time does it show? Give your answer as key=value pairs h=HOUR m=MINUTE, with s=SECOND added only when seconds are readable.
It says h=5 m=26
